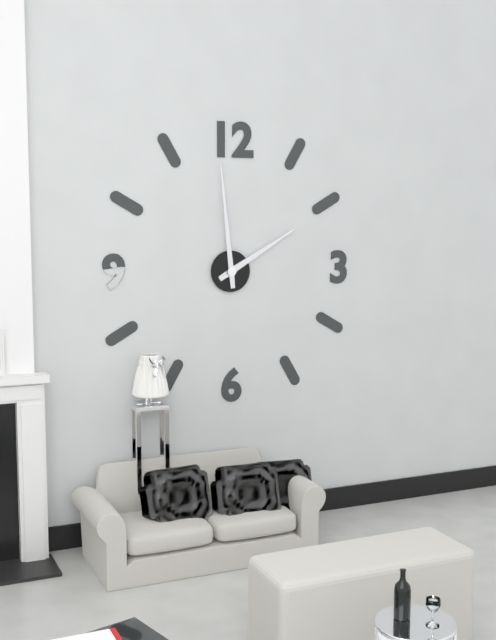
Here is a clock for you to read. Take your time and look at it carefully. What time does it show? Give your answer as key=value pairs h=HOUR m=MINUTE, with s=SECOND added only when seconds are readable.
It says h=1 m=59
